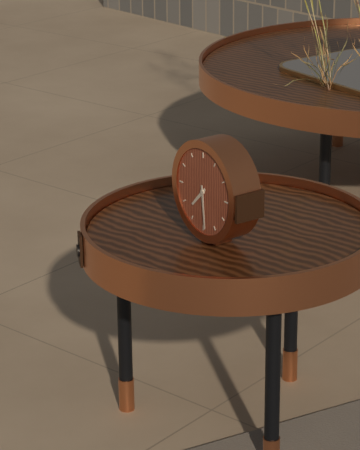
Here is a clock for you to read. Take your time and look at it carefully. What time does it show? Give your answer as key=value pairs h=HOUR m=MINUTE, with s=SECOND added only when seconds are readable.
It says h=7 m=29
